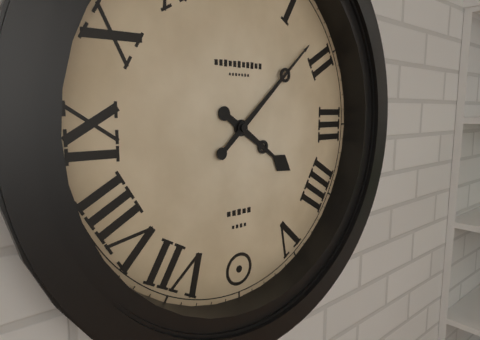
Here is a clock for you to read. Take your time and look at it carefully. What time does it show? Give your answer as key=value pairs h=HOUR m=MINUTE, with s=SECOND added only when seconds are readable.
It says h=4 m=8
